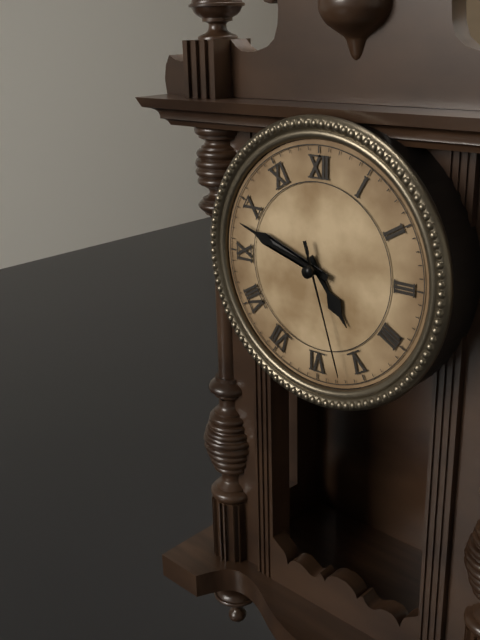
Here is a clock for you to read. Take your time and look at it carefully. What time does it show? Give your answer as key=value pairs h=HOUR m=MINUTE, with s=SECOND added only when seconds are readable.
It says h=4 m=48 s=27
